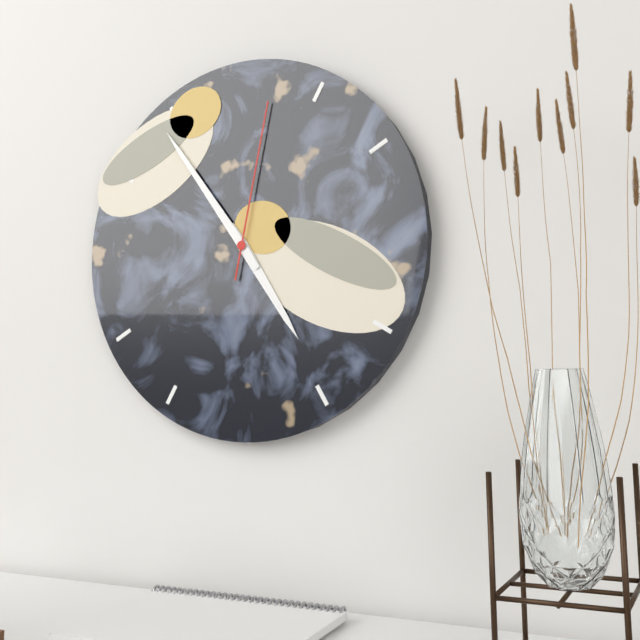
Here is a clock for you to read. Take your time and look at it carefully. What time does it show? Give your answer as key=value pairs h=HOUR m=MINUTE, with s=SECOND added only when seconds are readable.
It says h=4 m=54 s=2
